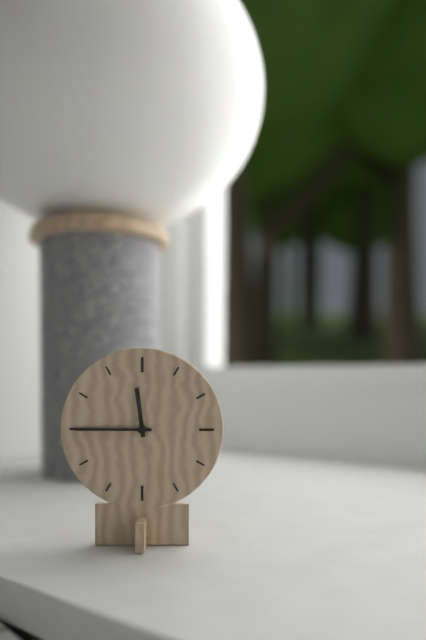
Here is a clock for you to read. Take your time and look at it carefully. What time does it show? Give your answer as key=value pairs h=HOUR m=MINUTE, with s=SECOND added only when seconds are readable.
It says h=11 m=45
